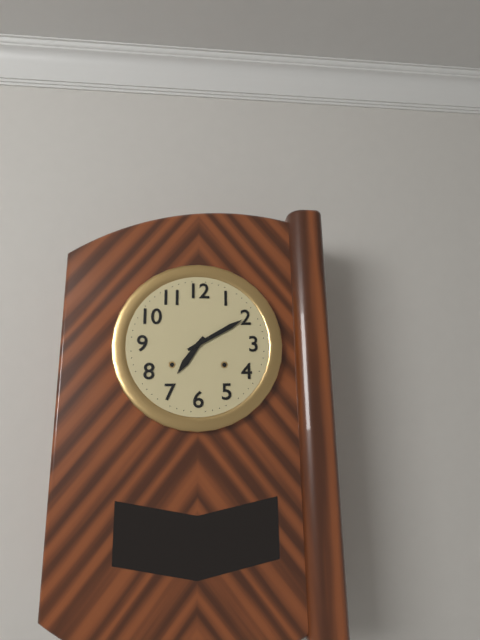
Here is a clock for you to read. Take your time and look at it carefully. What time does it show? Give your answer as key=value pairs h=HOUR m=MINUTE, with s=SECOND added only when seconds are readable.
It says h=7 m=10
